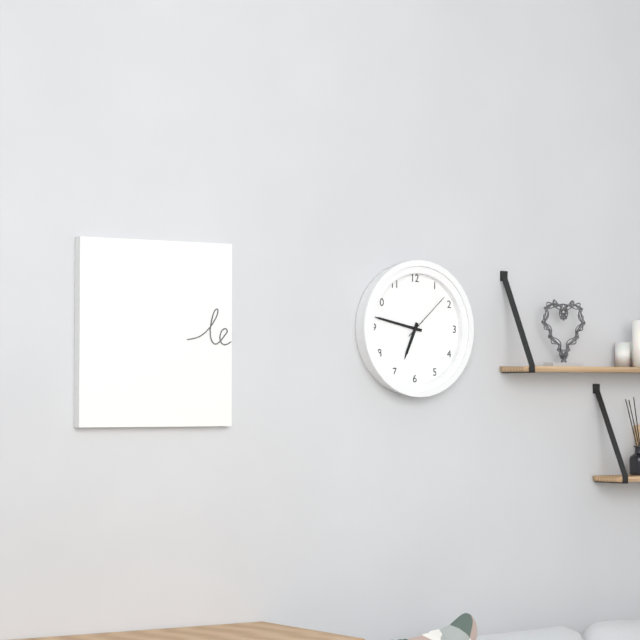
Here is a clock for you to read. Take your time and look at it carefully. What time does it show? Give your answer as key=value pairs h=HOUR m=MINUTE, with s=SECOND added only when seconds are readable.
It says h=6 m=47 s=8
